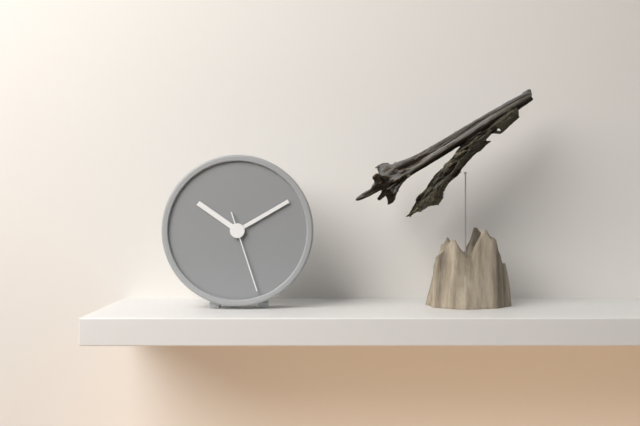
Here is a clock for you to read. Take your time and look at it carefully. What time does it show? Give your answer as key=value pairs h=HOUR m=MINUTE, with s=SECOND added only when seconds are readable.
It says h=10 m=10 s=27
